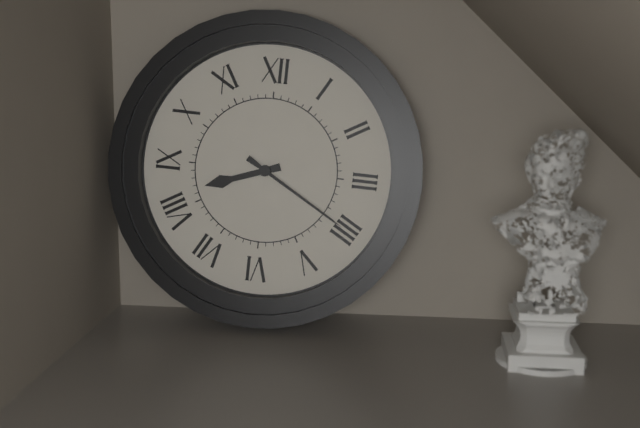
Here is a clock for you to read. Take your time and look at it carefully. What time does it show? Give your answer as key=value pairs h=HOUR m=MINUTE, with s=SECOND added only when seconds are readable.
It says h=8 m=20
